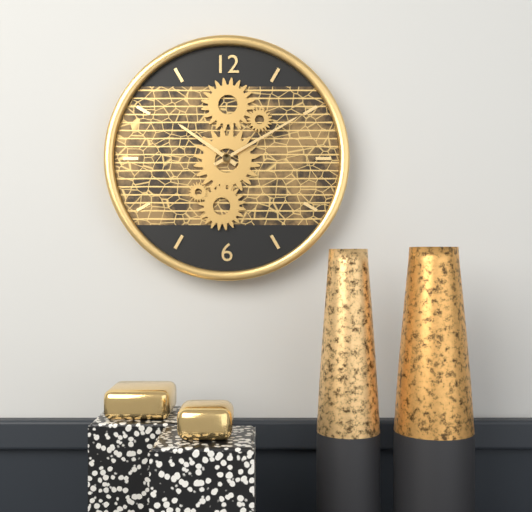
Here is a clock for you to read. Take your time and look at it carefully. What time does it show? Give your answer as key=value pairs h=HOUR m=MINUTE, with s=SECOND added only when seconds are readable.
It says h=10 m=10
